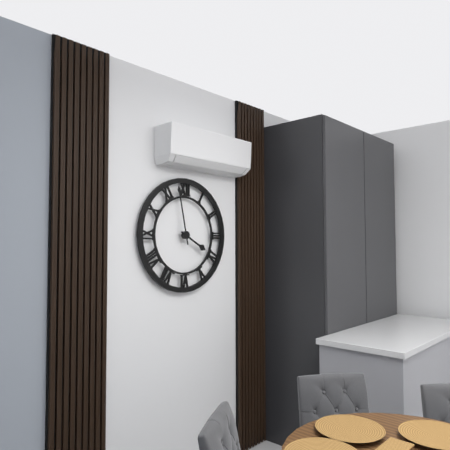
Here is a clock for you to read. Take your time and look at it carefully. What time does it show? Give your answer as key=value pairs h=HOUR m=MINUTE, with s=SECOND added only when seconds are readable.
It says h=3 m=58
